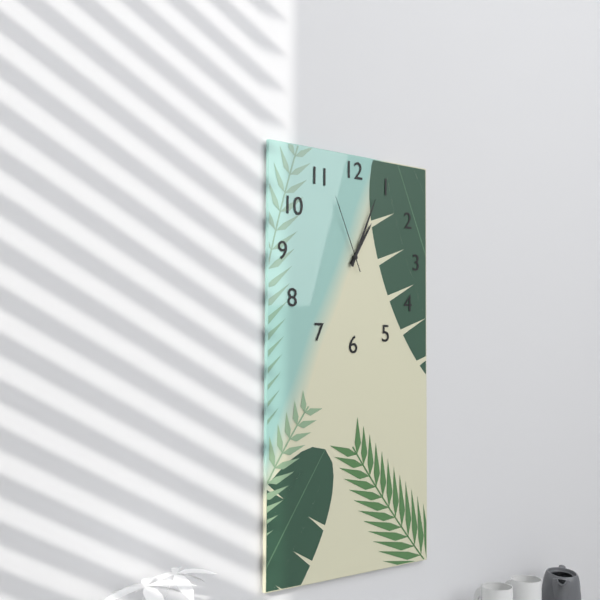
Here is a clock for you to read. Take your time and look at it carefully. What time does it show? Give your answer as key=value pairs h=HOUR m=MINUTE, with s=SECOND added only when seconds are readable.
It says h=1 m=4 s=56
